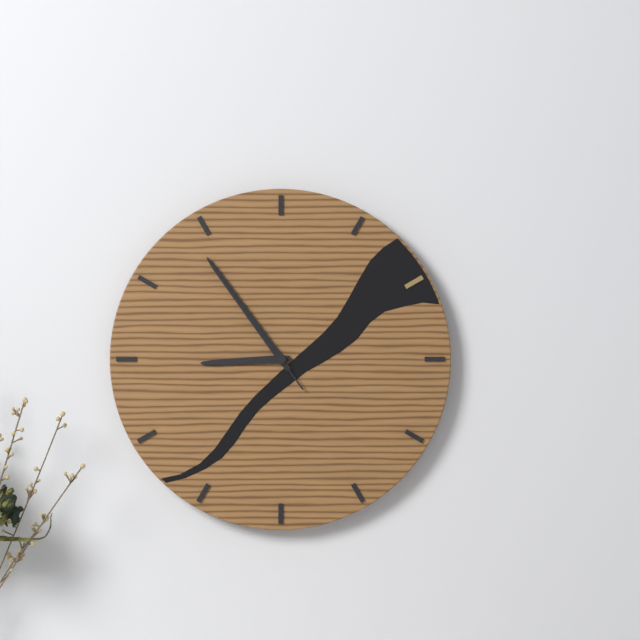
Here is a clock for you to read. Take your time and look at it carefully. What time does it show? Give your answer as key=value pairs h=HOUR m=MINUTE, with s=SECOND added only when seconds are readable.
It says h=8 m=54 s=54
